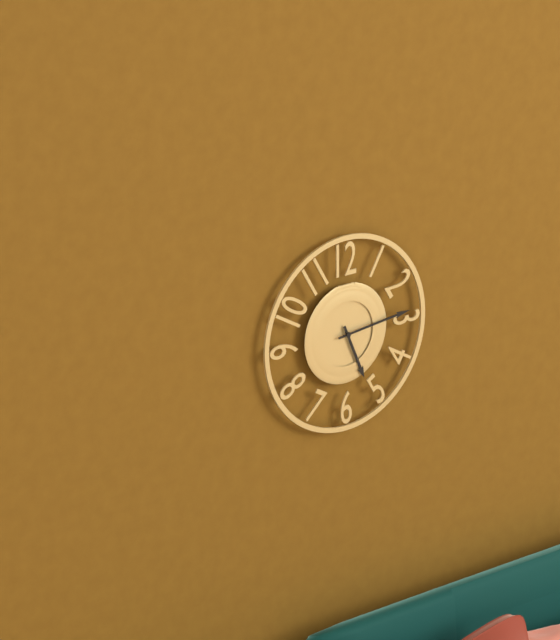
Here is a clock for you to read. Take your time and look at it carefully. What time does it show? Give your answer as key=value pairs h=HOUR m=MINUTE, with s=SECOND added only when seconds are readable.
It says h=5 m=14
